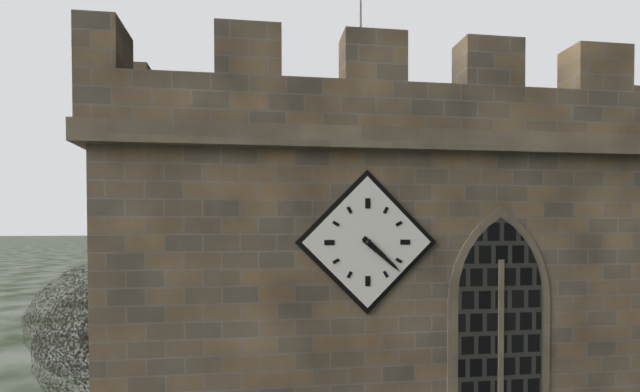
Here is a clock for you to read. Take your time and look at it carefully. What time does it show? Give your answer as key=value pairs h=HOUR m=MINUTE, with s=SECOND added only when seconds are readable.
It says h=4 m=22
